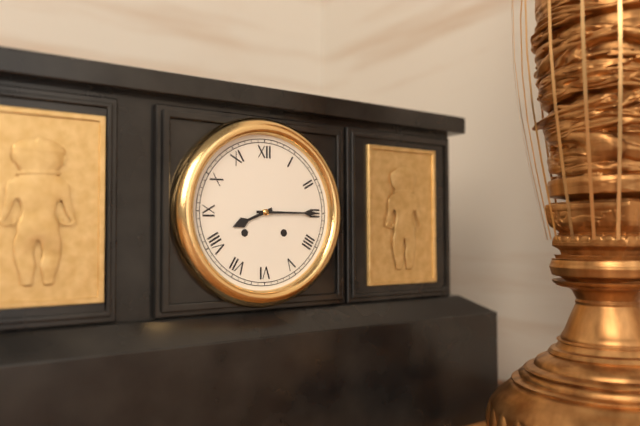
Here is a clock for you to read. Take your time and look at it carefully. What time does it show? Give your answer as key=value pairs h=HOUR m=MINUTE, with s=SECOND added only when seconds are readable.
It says h=8 m=15
